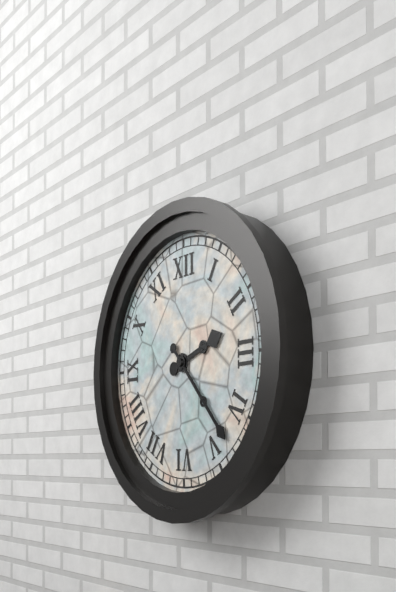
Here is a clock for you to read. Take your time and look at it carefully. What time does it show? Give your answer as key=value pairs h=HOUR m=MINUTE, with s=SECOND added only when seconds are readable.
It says h=2 m=23
